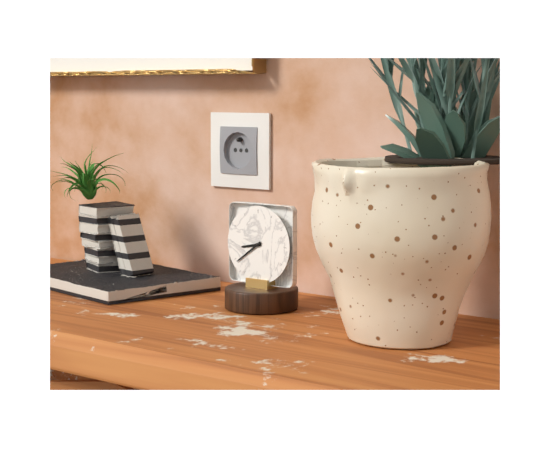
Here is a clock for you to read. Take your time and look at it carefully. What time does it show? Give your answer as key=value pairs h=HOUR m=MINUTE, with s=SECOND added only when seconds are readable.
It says h=8 m=39
